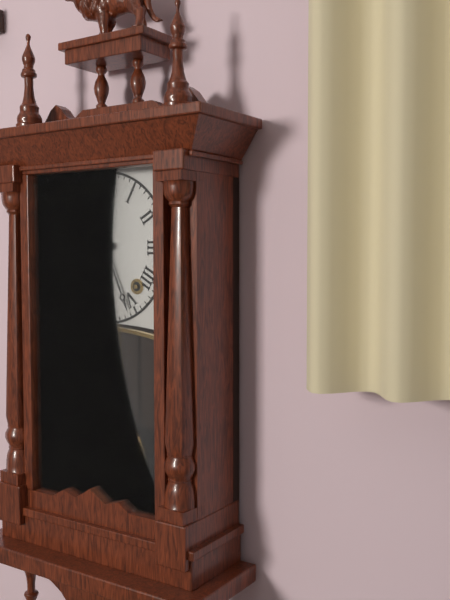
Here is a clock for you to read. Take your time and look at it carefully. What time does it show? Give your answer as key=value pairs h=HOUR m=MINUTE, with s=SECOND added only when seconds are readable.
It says h=8 m=26
